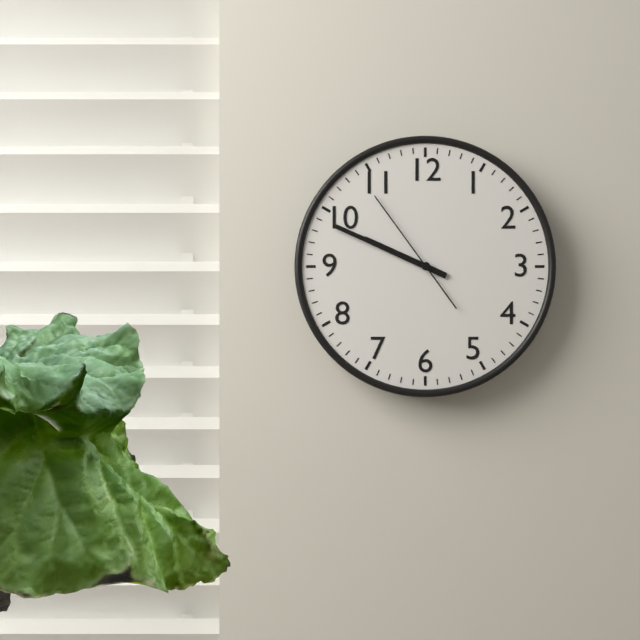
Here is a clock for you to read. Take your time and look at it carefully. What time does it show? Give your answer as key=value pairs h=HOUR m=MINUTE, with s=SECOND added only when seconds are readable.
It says h=9 m=49 s=54
